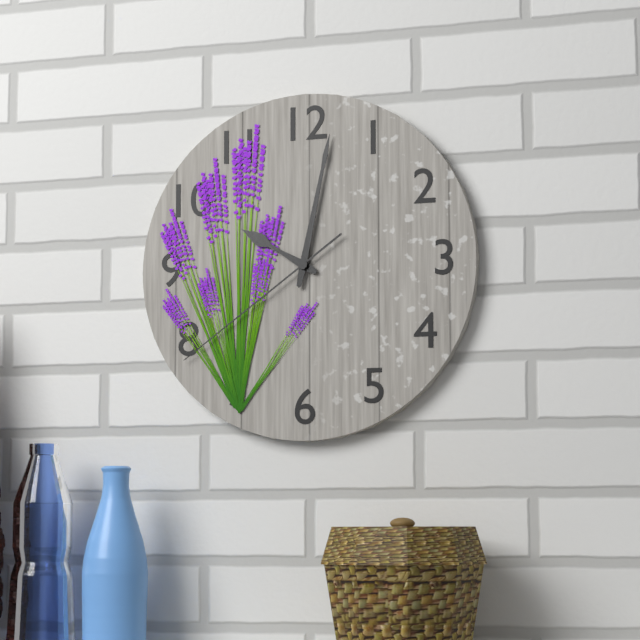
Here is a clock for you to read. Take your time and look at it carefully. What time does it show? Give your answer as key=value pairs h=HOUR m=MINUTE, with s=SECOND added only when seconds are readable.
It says h=10 m=2 s=39
